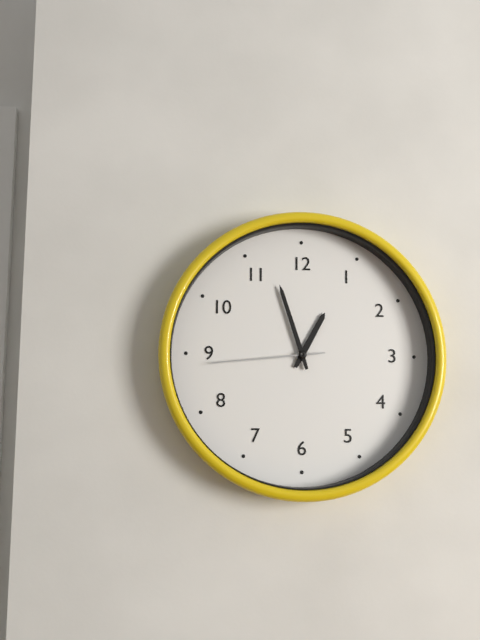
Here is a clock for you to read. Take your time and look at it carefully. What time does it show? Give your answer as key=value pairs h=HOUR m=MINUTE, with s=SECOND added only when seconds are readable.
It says h=12 m=57 s=44
